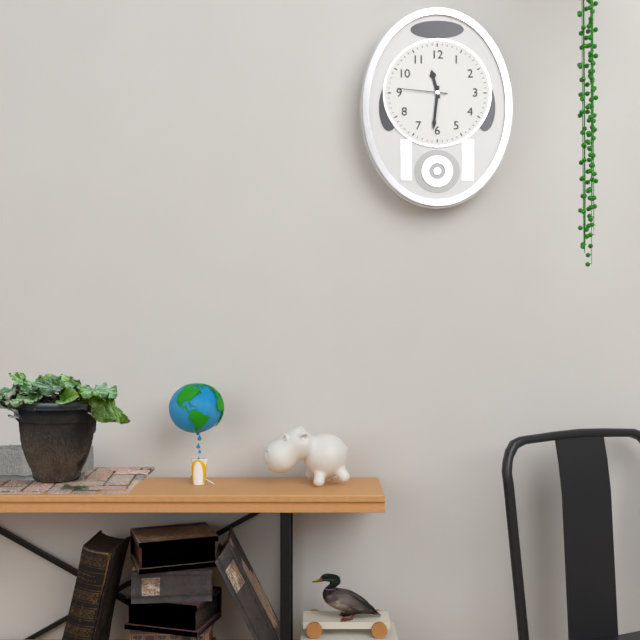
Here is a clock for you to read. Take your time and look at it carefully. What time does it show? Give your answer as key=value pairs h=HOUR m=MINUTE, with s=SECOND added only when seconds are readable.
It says h=11 m=31 s=46
